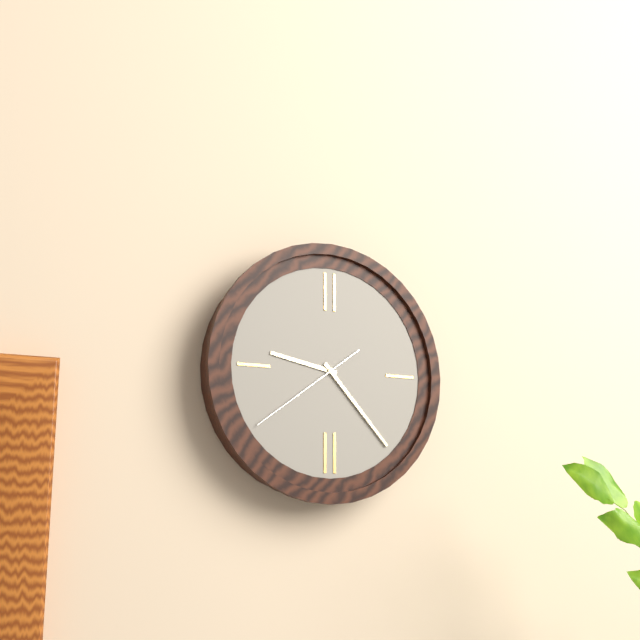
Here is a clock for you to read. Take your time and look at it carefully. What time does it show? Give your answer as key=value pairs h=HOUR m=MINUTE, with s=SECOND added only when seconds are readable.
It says h=9 m=23 s=39
